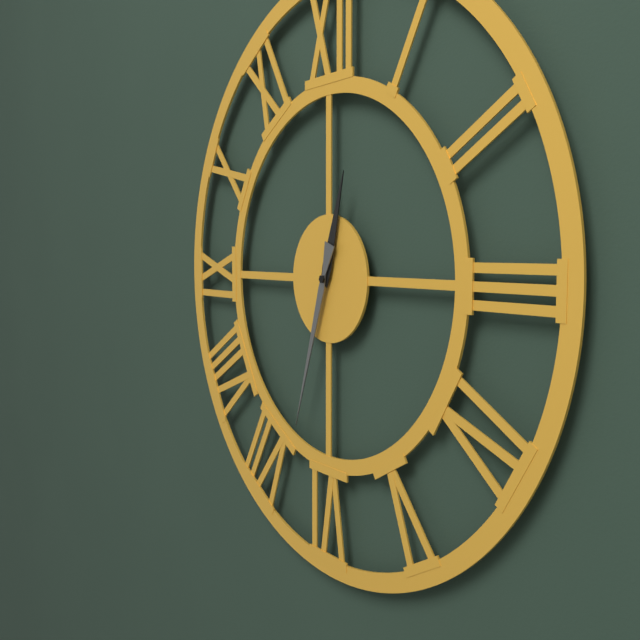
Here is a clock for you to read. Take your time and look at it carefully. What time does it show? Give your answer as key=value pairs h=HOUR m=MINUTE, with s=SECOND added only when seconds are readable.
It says h=12 m=33
